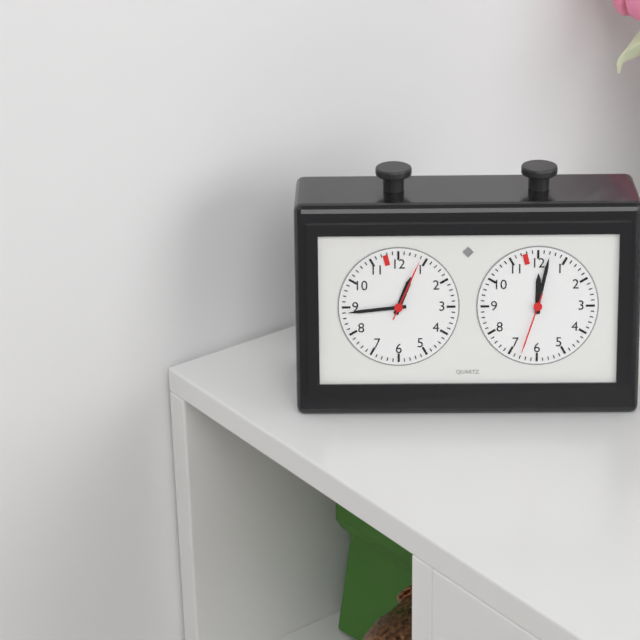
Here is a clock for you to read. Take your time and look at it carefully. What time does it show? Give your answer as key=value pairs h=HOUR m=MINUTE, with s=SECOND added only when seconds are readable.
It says h=12 m=44 s=4
